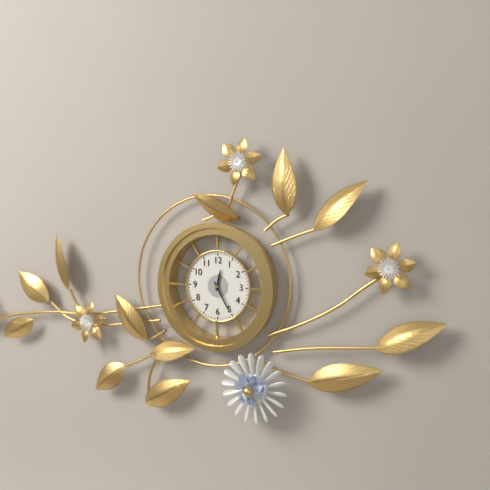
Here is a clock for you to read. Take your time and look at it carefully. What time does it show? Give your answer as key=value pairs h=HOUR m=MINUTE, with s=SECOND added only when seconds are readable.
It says h=12 m=25
